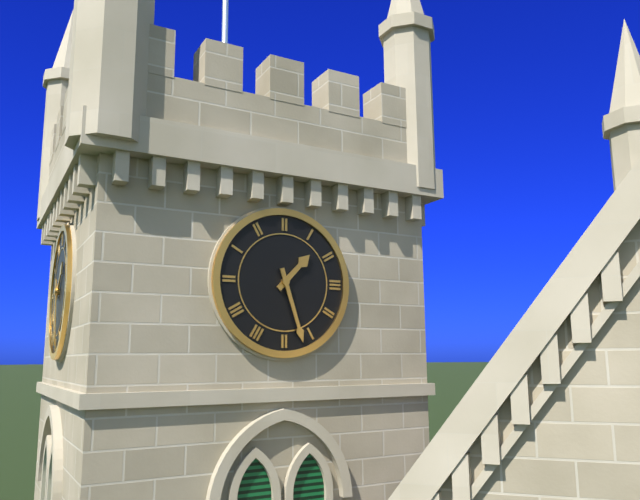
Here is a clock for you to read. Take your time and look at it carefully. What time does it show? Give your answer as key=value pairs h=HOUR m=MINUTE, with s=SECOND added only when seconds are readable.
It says h=1 m=27
